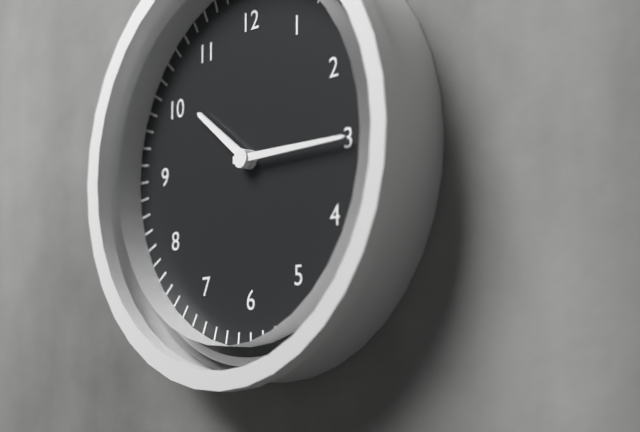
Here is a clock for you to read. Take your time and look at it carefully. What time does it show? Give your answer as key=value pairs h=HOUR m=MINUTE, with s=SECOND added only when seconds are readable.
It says h=10 m=15
